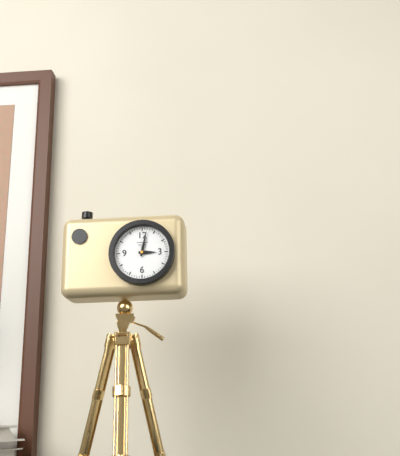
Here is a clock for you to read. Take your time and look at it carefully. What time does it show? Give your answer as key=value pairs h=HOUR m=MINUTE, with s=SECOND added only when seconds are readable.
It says h=3 m=2
